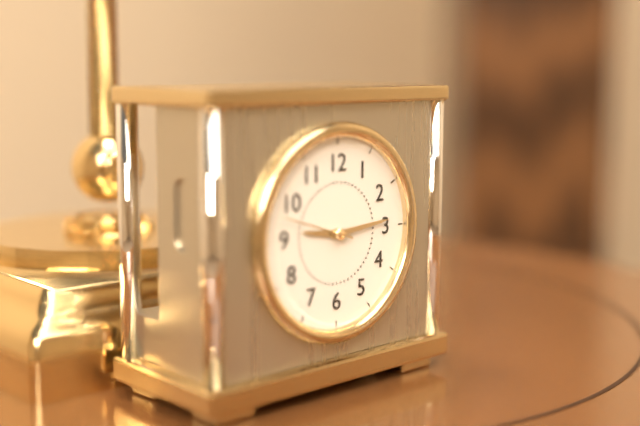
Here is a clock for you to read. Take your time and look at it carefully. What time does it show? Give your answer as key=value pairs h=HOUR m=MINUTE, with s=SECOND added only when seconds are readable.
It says h=9 m=14
